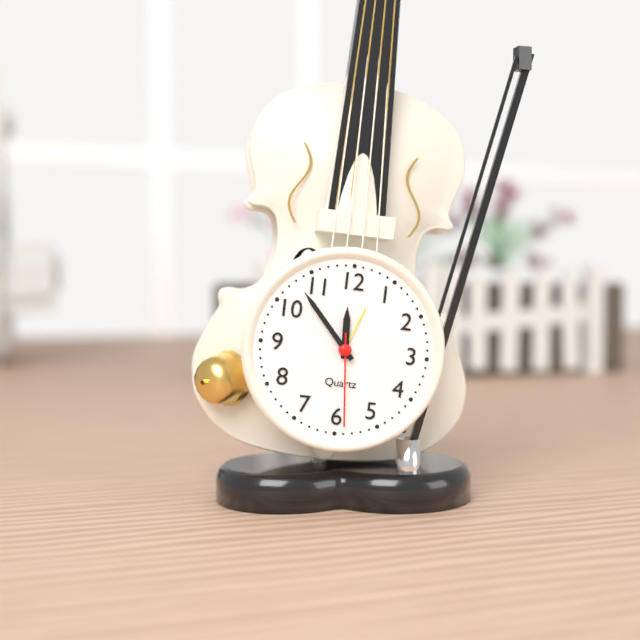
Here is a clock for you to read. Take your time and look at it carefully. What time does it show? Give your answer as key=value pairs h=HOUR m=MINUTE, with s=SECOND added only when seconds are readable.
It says h=11 m=53 s=29
